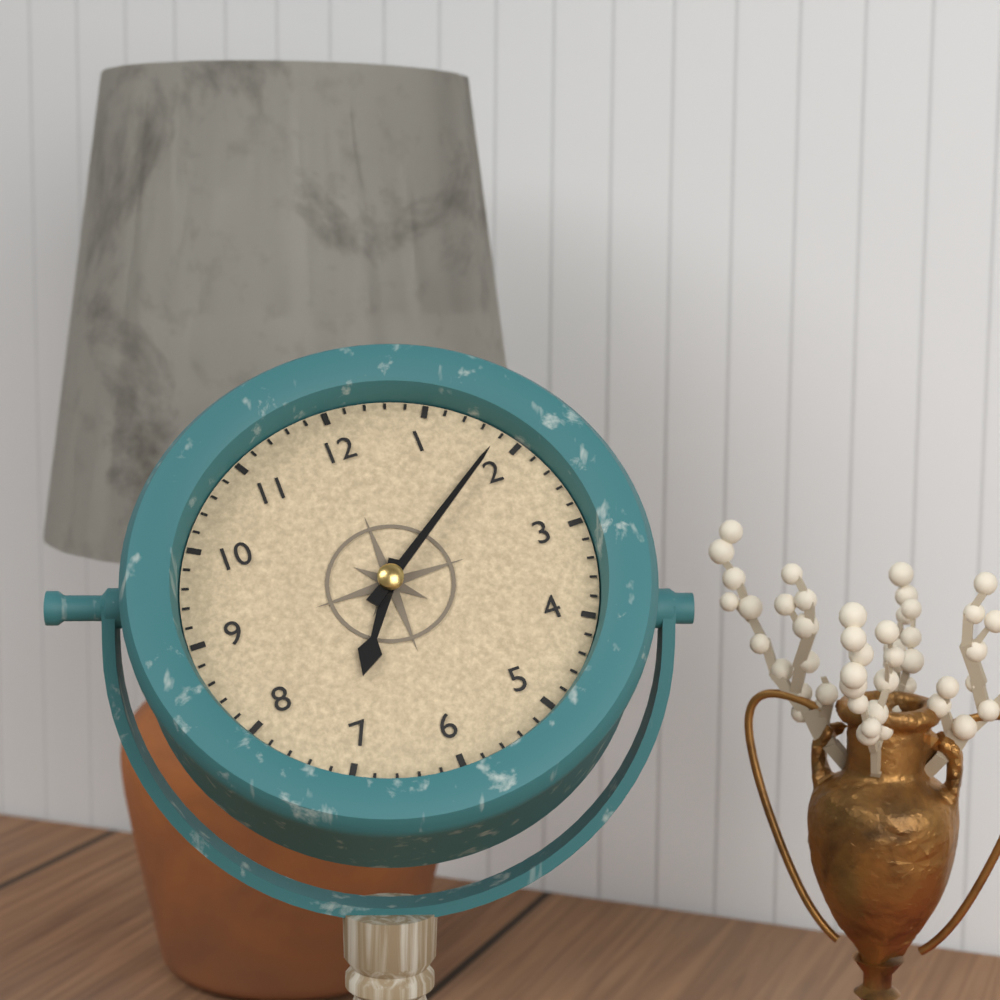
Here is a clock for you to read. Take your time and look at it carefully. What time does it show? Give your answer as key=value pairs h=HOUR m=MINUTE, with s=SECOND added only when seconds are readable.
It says h=7 m=9
